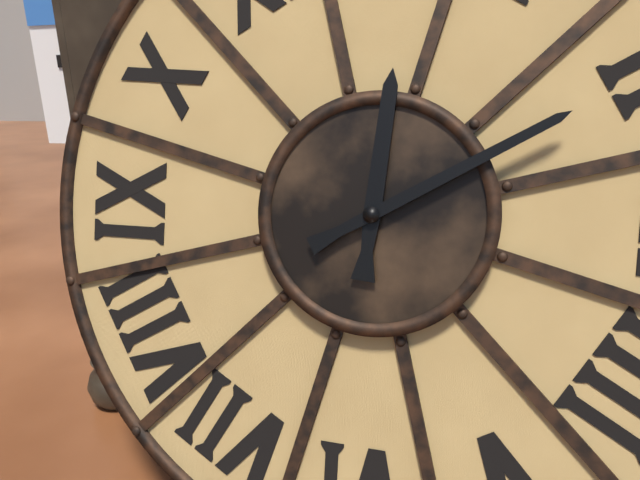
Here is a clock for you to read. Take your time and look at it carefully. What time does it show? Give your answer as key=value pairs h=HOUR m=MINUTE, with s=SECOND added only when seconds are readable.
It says h=12 m=10
